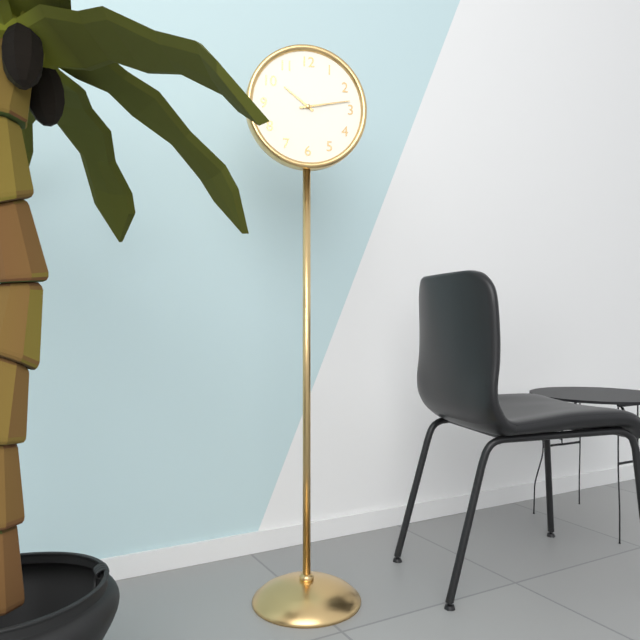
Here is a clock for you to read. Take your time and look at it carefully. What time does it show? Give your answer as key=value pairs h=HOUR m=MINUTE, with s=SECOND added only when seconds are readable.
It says h=10 m=13
